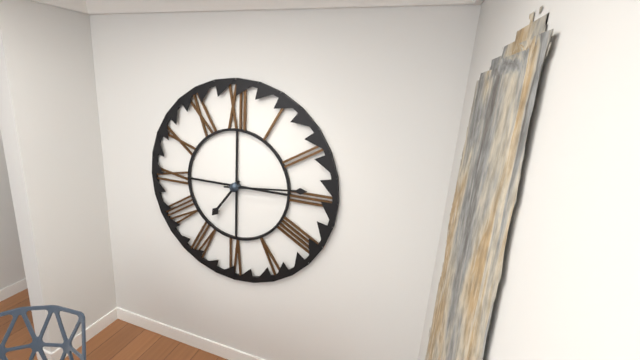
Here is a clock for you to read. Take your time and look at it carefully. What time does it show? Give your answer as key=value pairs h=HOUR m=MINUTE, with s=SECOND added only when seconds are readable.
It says h=7 m=14
